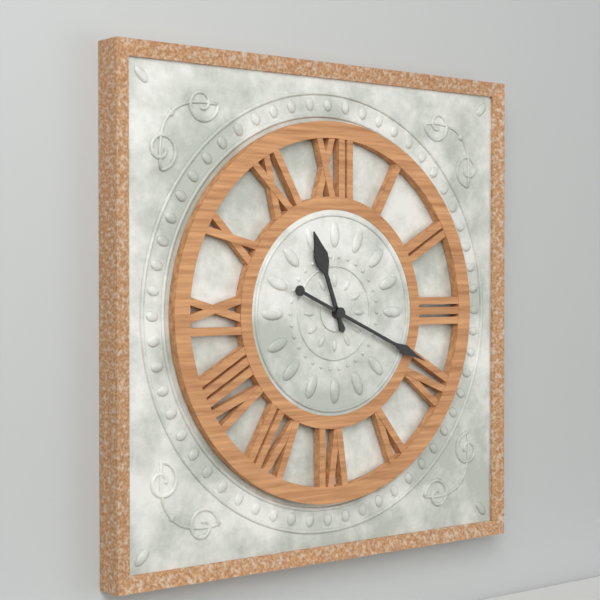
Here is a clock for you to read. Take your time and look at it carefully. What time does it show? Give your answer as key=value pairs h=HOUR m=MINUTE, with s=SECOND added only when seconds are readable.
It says h=11 m=19
